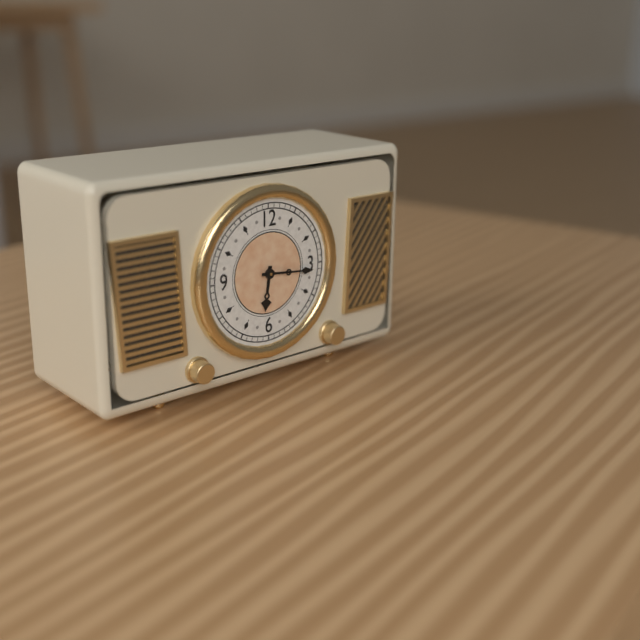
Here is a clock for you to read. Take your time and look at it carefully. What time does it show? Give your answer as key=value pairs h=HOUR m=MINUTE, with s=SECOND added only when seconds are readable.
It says h=6 m=16
